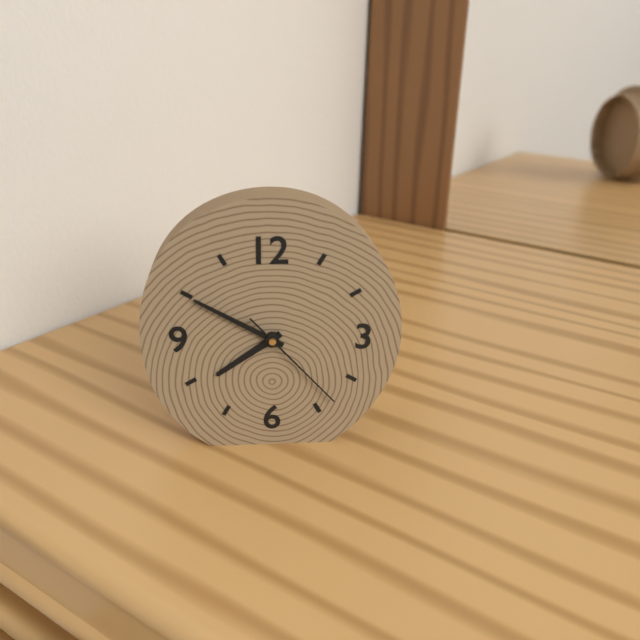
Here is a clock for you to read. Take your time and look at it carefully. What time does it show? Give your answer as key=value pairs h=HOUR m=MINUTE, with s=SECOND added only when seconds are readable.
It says h=7 m=50 s=23
